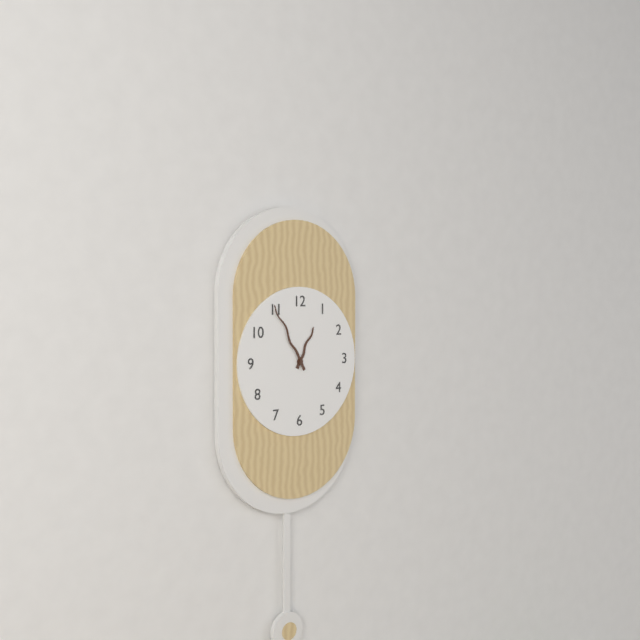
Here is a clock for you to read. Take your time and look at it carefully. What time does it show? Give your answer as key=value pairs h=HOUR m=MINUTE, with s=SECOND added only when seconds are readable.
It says h=12 m=55
